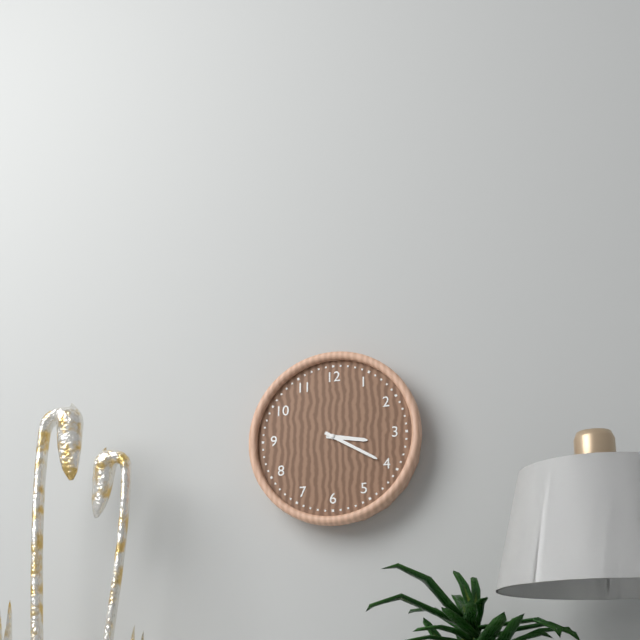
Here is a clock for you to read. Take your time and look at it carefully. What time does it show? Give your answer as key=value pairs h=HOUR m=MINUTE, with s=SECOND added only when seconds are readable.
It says h=3 m=20
